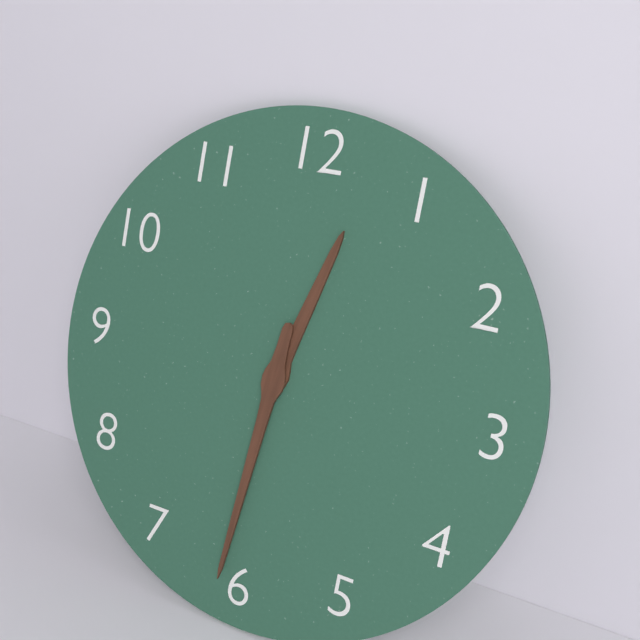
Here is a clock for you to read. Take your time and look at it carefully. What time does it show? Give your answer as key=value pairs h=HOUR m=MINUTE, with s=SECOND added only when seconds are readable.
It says h=12 m=31
